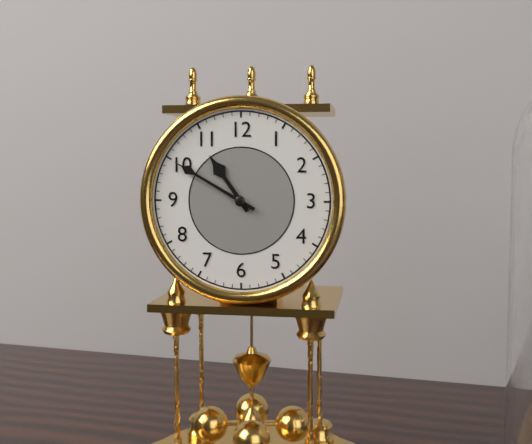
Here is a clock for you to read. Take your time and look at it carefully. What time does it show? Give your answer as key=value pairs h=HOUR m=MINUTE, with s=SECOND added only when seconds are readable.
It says h=10 m=50
